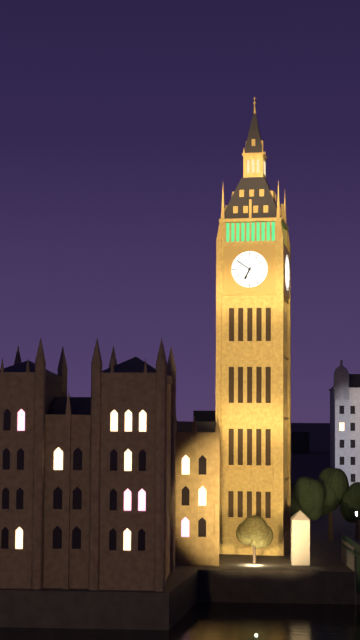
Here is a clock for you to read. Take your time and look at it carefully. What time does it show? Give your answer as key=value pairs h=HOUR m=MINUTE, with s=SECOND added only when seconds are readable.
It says h=6 m=51
